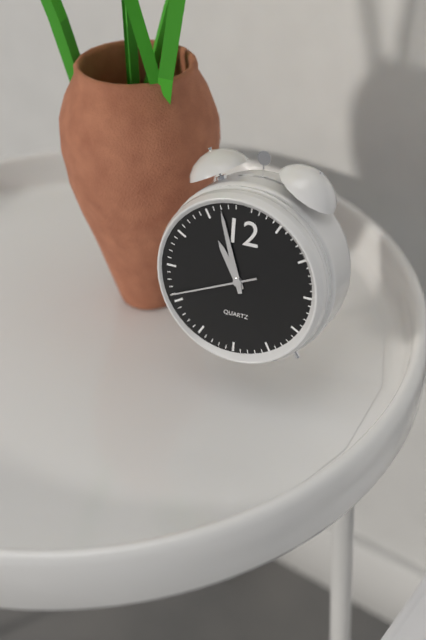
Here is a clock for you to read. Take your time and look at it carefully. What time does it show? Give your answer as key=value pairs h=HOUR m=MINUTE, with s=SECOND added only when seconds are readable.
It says h=10 m=57 s=41
